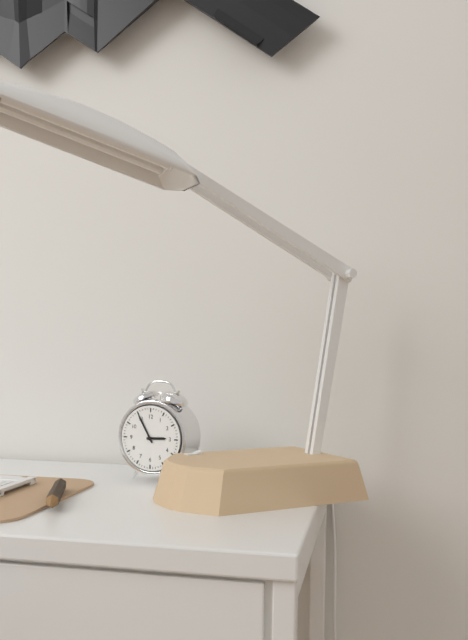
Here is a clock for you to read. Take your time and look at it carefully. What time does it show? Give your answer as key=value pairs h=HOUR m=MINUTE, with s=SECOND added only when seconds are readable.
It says h=2 m=55
